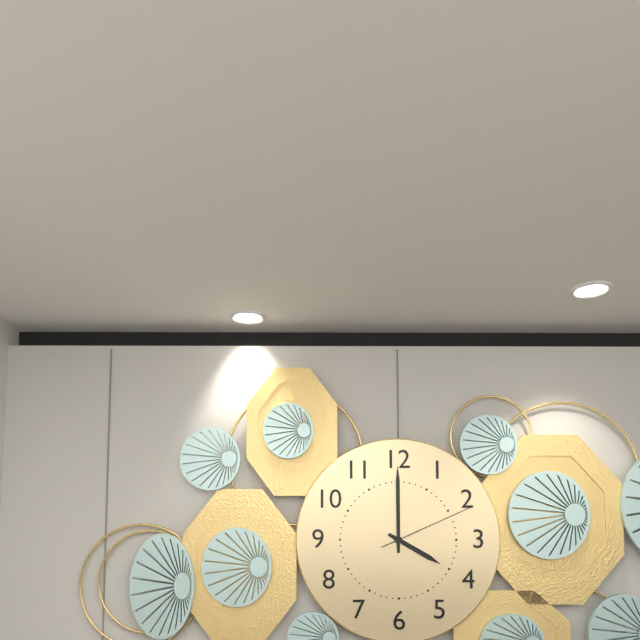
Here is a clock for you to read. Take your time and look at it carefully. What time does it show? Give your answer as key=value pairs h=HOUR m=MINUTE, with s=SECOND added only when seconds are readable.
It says h=4 m=0 s=11
